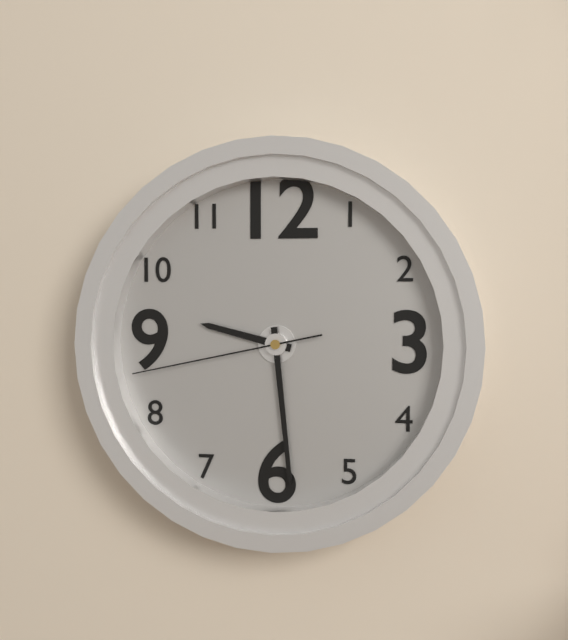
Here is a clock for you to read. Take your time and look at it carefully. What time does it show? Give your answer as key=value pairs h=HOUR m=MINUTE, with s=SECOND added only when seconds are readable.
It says h=9 m=29 s=43
